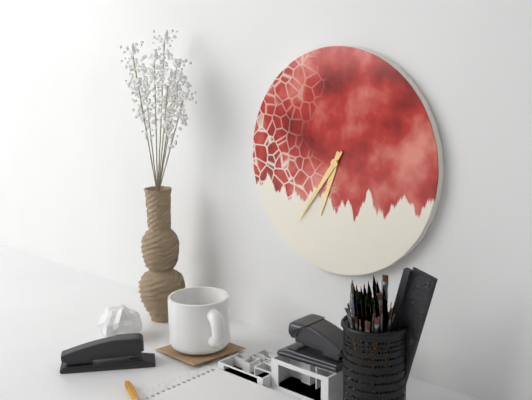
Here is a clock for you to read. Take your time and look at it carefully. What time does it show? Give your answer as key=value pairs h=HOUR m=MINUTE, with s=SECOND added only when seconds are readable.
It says h=6 m=36
